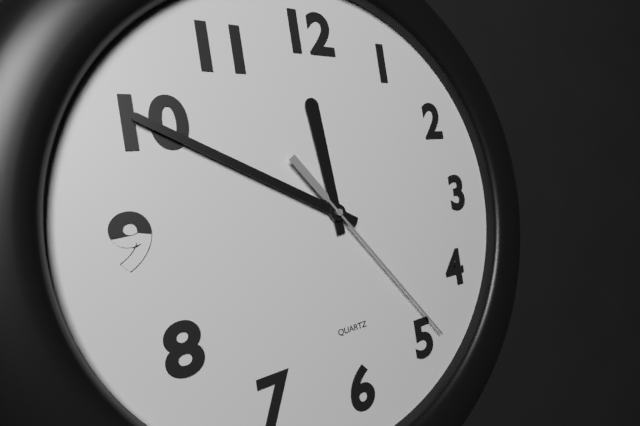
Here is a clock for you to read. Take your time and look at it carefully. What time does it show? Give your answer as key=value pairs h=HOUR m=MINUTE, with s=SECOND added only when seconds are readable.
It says h=11 m=50 s=24
